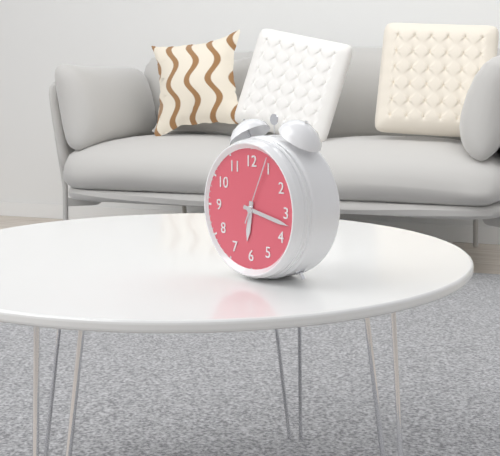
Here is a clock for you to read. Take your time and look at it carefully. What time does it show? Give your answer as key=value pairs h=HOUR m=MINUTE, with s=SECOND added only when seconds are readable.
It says h=6 m=17 s=4
